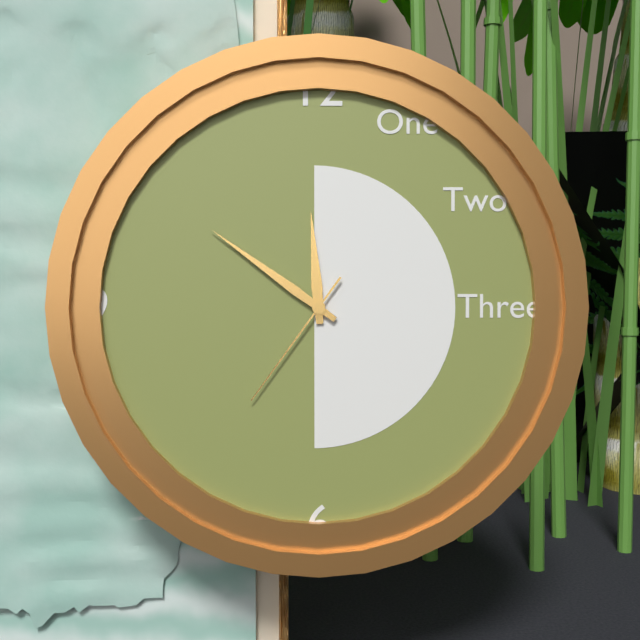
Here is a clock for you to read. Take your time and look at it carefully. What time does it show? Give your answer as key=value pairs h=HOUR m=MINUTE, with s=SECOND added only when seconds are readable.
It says h=11 m=51 s=36
